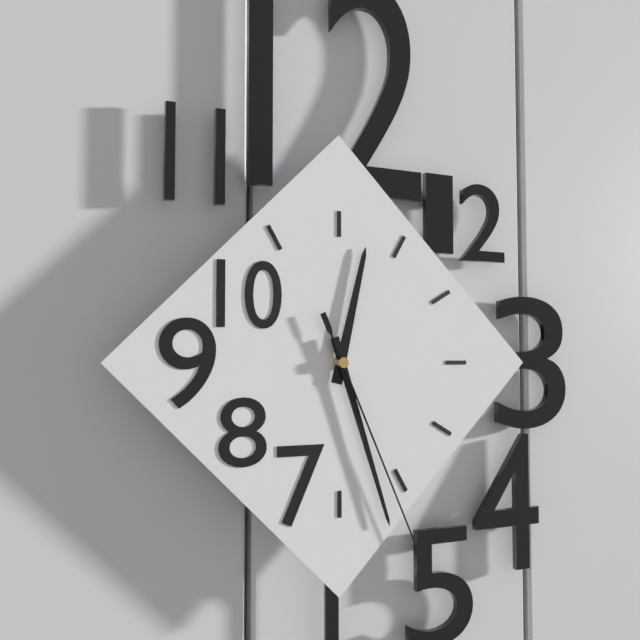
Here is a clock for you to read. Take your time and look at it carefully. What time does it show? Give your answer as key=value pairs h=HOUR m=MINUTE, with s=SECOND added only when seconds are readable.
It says h=12 m=27 s=26
